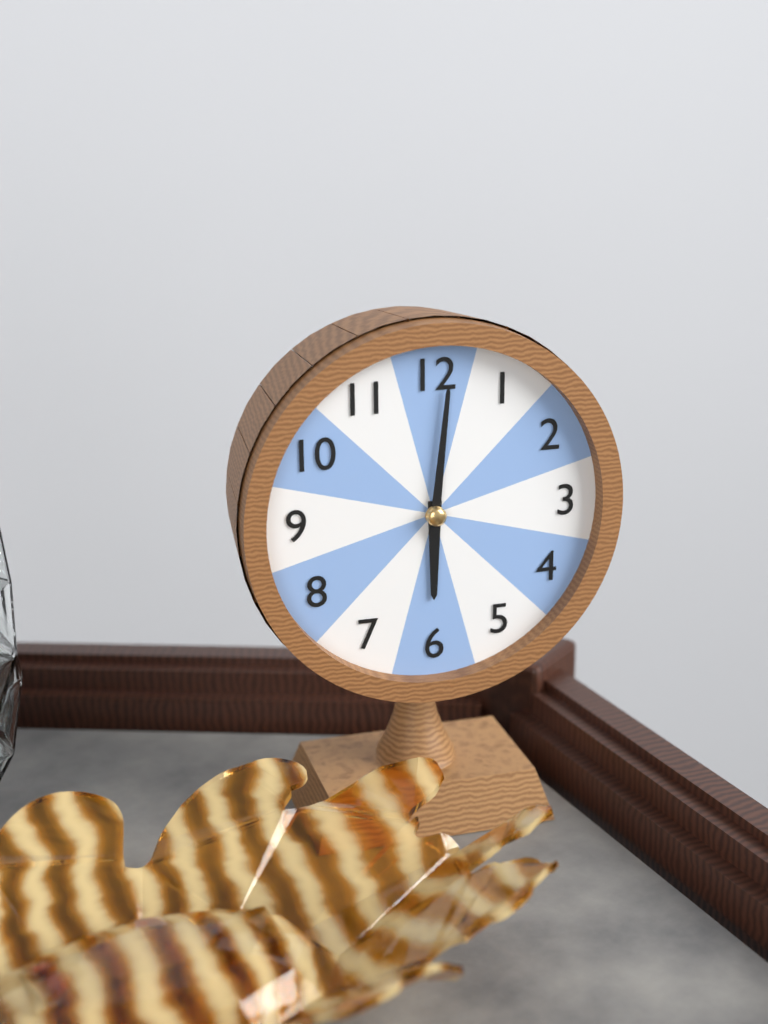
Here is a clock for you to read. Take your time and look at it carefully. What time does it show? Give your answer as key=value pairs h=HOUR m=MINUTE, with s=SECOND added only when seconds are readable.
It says h=6 m=1
